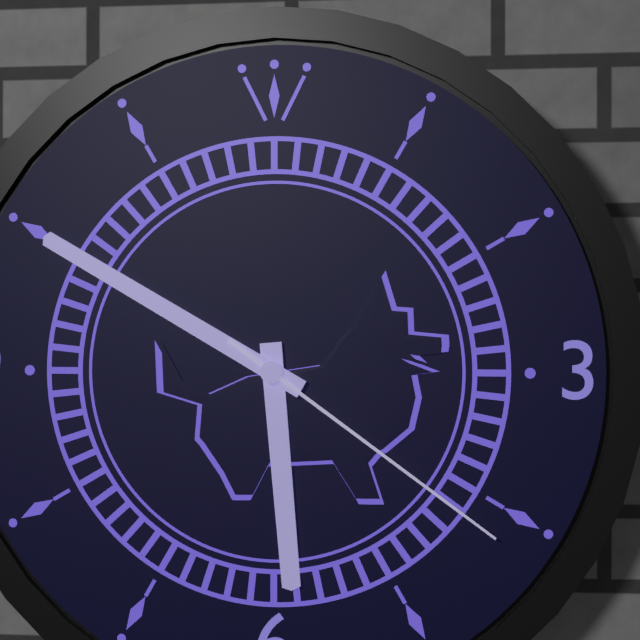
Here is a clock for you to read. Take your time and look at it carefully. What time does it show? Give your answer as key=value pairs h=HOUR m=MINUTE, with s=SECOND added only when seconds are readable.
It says h=5 m=50 s=21
